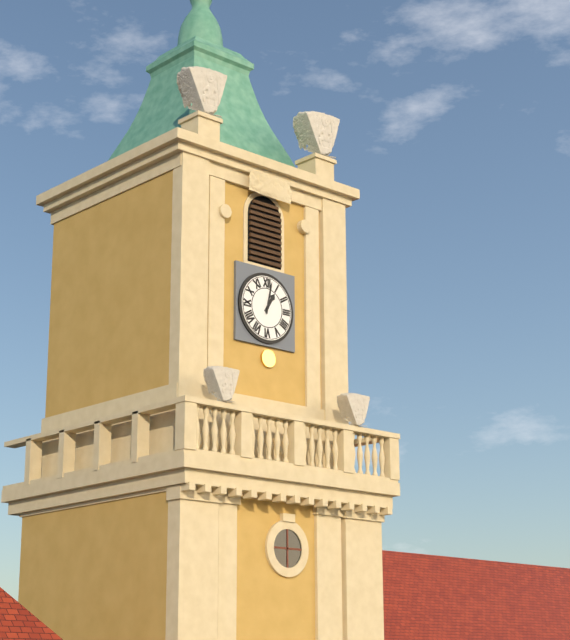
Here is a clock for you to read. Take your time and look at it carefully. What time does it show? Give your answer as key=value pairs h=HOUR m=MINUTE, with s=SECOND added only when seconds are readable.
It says h=1 m=2
